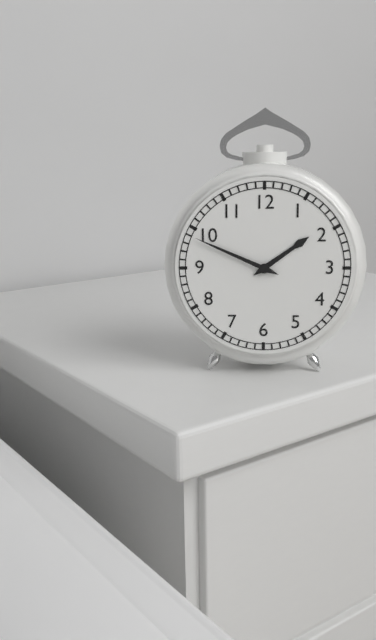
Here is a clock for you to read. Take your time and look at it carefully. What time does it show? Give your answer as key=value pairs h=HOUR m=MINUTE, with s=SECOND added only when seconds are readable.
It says h=1 m=49
